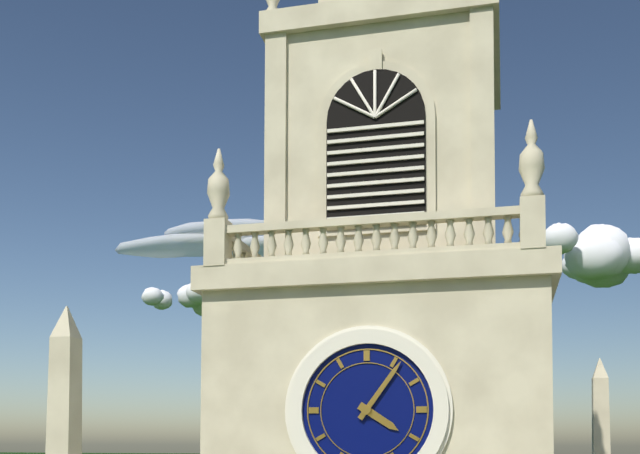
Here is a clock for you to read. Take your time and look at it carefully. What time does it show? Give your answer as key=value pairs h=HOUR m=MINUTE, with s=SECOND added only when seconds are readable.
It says h=4 m=6
